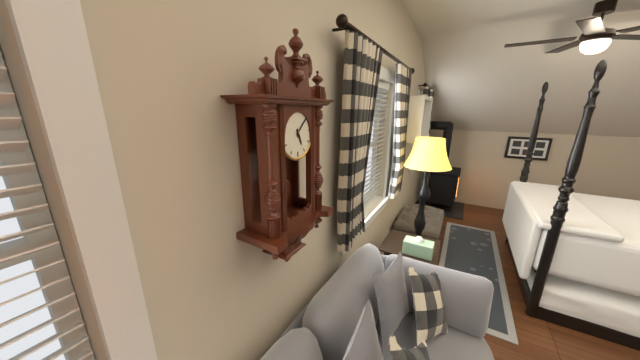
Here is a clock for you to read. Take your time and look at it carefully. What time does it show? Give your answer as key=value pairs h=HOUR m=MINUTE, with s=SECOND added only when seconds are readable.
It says h=5 m=8
